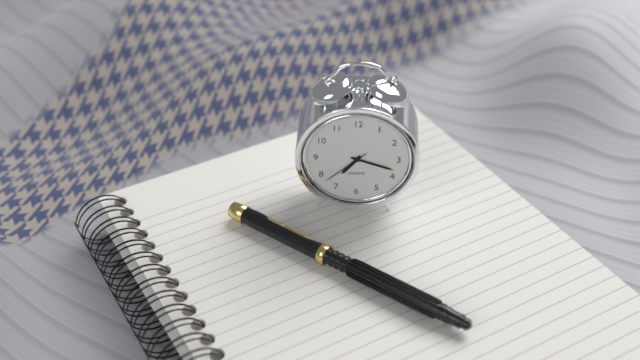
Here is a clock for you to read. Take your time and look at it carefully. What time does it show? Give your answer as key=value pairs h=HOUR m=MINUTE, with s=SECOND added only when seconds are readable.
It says h=7 m=18
